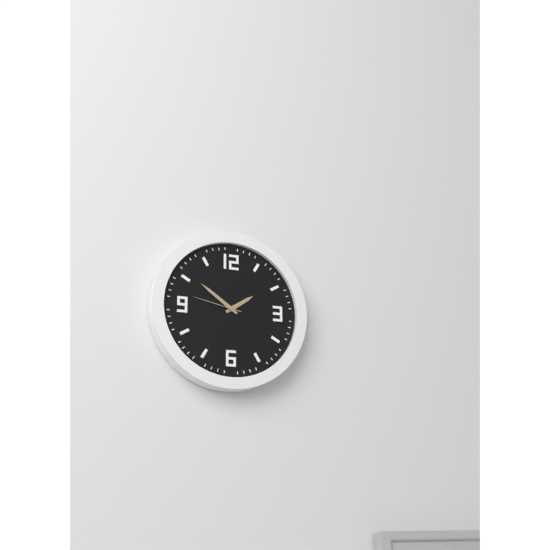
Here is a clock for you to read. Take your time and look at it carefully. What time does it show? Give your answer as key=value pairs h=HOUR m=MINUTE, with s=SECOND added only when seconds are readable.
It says h=1 m=51 s=47
